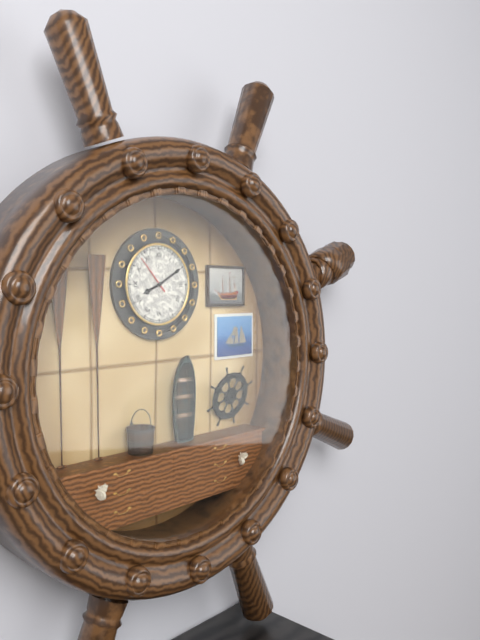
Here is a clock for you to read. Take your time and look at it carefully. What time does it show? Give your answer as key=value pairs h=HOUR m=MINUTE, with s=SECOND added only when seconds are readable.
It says h=8 m=10
